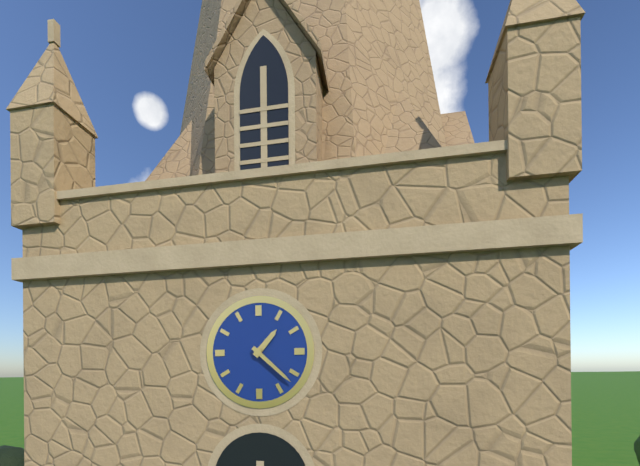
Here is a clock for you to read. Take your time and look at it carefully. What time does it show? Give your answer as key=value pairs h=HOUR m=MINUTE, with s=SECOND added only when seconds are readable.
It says h=1 m=22
